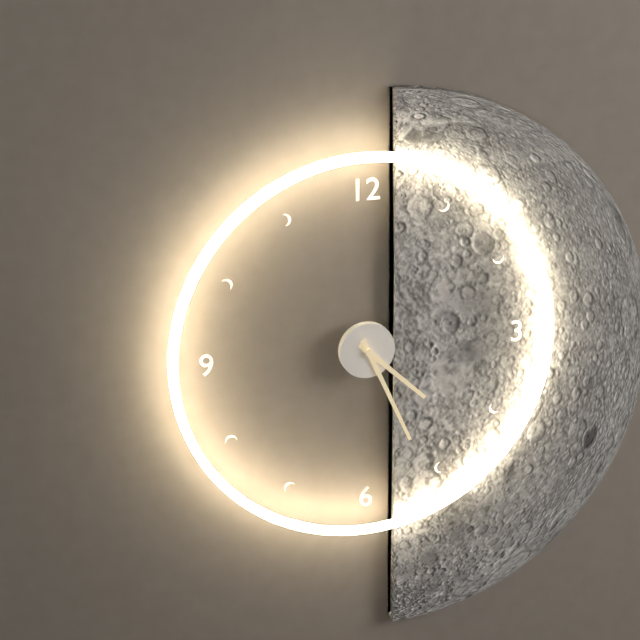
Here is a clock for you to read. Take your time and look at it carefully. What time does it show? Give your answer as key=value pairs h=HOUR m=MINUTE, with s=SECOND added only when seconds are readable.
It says h=4 m=26
